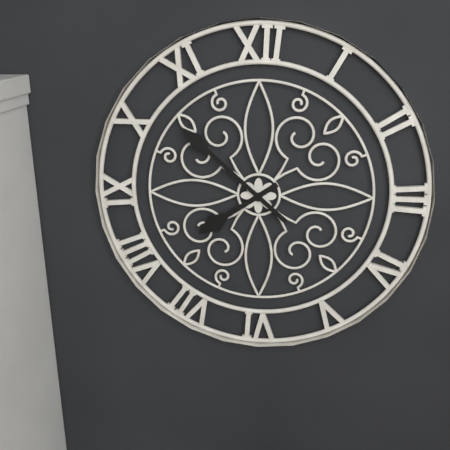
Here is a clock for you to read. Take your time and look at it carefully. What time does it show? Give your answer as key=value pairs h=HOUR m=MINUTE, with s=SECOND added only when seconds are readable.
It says h=7 m=52
